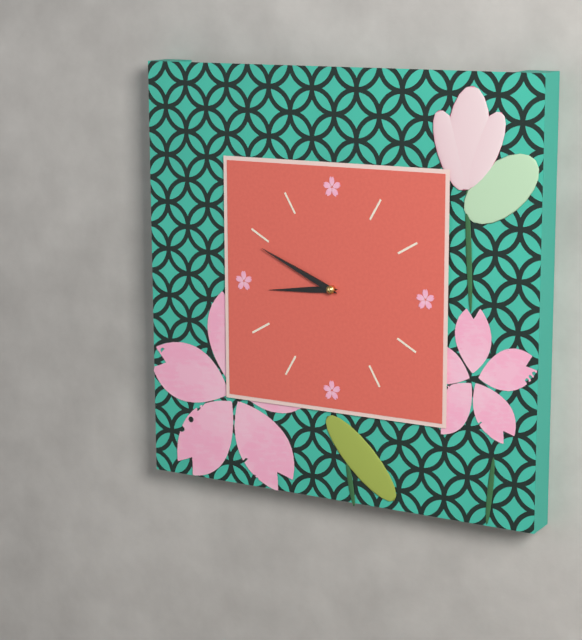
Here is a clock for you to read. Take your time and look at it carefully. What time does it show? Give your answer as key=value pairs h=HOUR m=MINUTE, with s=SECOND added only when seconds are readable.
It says h=8 m=49
